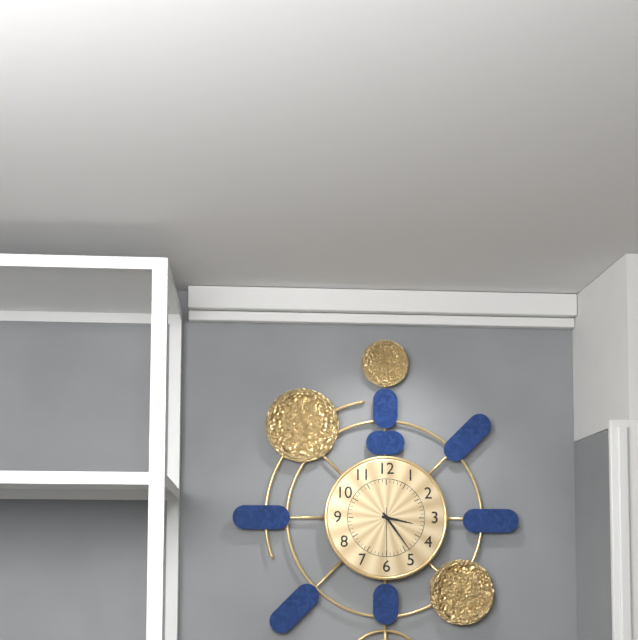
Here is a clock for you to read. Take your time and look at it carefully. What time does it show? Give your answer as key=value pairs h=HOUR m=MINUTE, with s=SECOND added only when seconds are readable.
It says h=3 m=24 s=30
